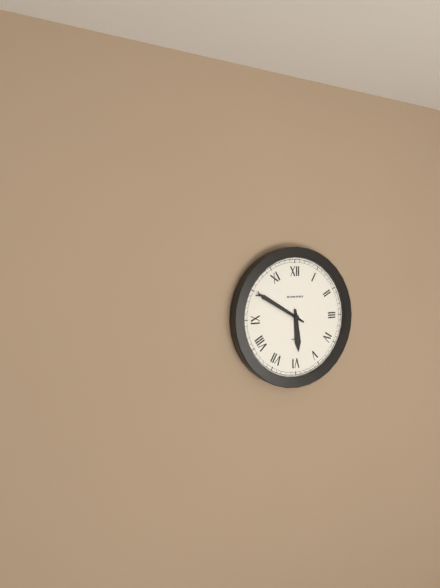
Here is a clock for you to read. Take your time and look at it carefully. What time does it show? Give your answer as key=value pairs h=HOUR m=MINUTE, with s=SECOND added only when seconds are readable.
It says h=5 m=50
